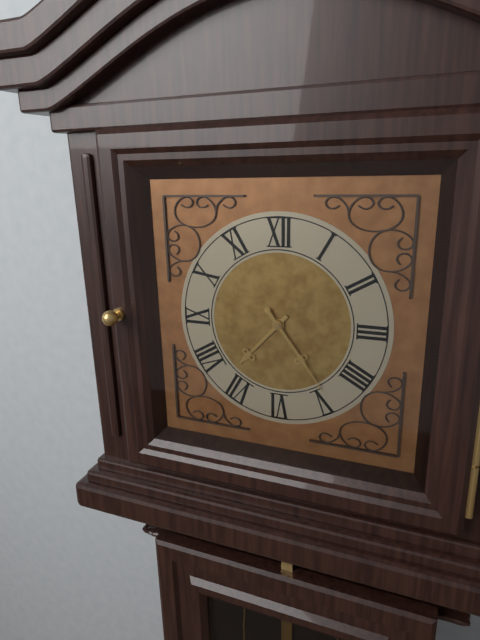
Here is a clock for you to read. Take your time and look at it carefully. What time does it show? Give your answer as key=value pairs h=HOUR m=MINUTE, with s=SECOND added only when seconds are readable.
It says h=7 m=24
